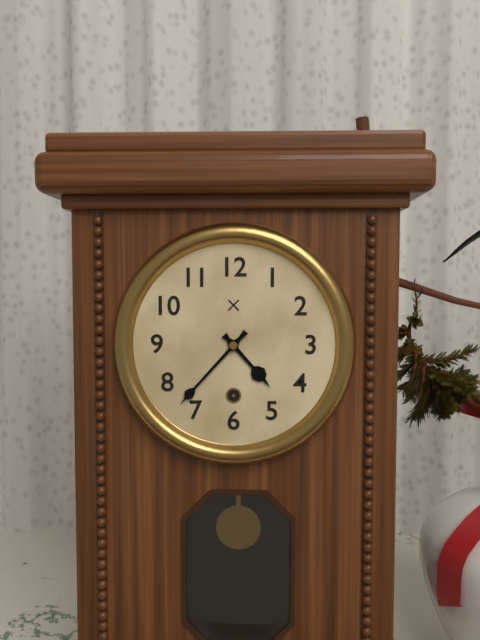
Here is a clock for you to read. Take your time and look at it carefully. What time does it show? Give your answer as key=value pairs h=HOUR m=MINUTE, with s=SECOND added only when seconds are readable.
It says h=4 m=37
